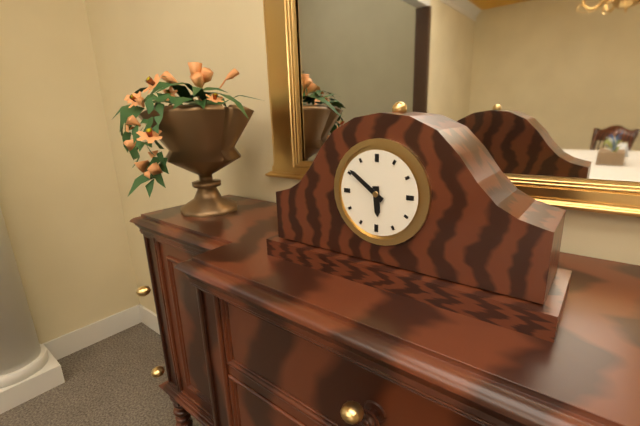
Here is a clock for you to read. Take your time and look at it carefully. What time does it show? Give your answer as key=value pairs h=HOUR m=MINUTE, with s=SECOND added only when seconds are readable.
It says h=5 m=51
